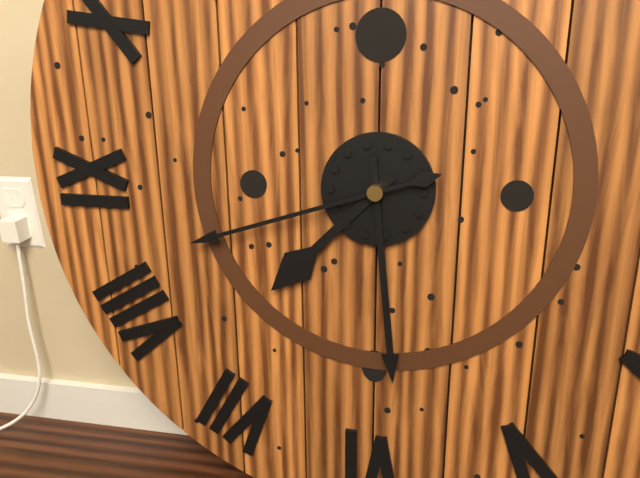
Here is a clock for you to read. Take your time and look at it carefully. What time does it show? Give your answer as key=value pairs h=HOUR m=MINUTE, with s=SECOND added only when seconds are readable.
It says h=7 m=29 s=42
